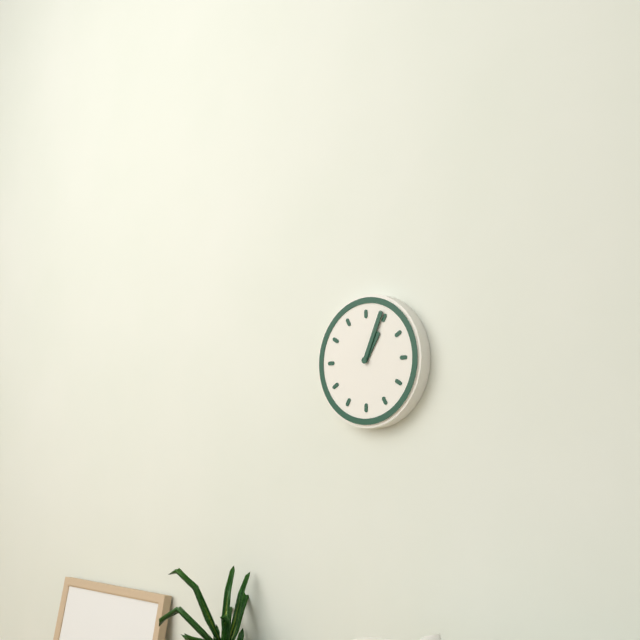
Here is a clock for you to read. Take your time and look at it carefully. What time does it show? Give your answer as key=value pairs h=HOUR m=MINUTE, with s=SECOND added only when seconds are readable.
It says h=1 m=4
